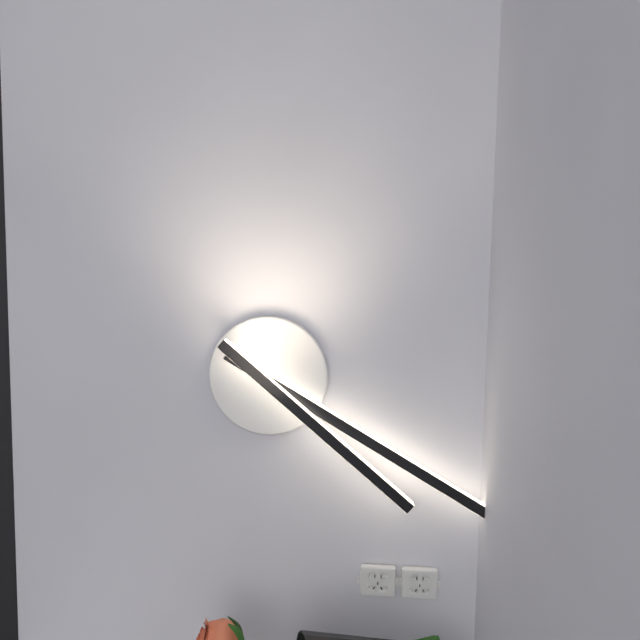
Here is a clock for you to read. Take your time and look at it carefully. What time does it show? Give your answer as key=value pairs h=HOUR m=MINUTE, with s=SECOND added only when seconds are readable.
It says h=4 m=20
